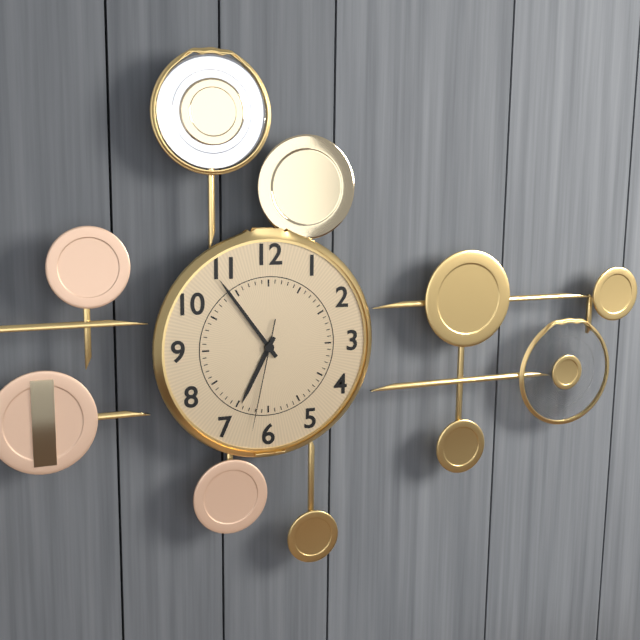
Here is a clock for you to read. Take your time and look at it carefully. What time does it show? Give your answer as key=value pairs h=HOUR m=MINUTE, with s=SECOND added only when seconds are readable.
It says h=6 m=54 s=32
